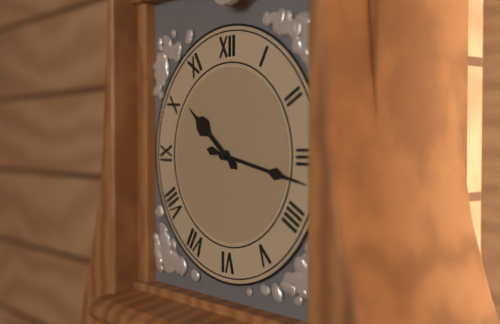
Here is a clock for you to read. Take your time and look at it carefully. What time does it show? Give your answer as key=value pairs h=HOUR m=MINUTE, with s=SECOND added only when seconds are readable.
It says h=10 m=17
